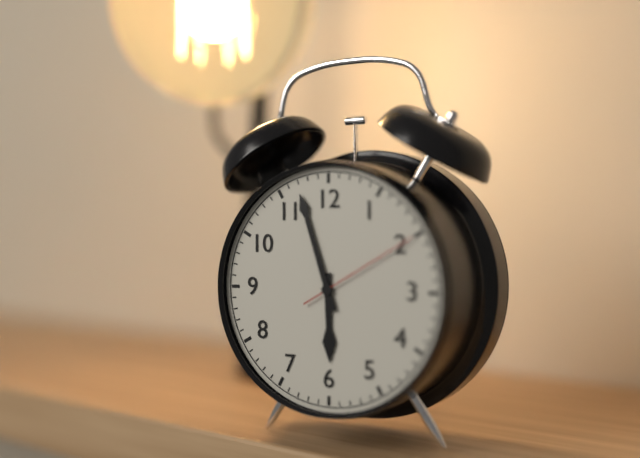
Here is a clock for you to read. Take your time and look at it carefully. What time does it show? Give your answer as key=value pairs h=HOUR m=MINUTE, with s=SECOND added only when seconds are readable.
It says h=5 m=57 s=10
